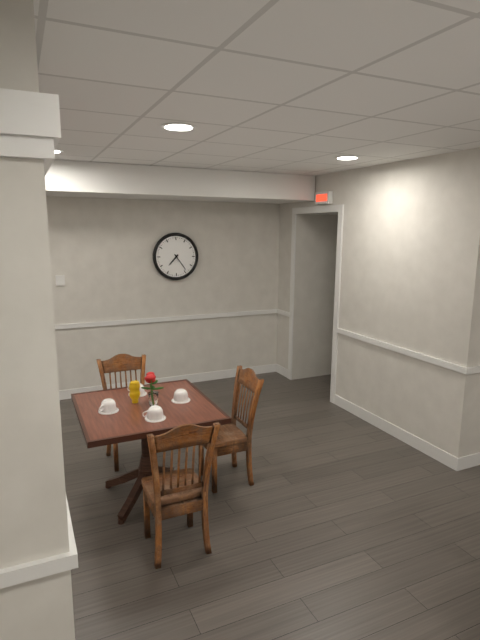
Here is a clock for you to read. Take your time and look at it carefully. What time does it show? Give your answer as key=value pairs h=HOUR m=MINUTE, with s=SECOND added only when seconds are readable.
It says h=7 m=24
